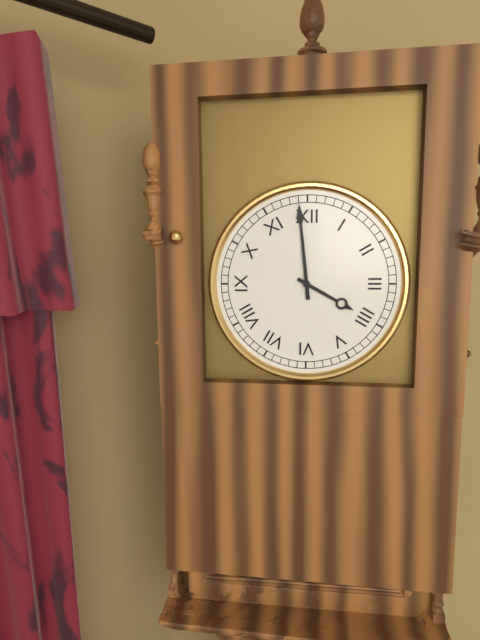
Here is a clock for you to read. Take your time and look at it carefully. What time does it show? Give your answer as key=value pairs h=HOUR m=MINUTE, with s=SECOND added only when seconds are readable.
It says h=3 m=59
